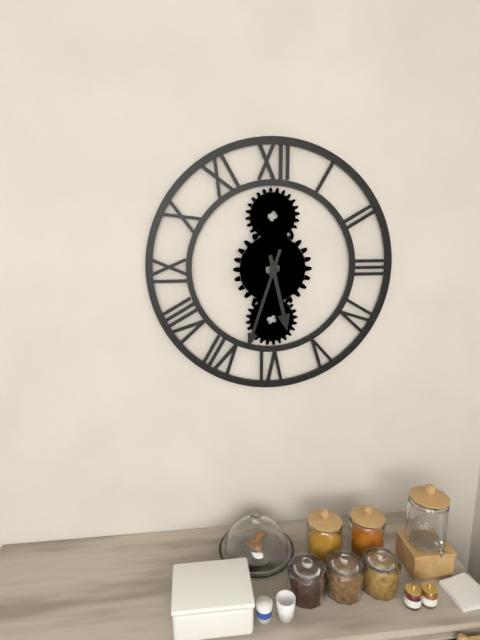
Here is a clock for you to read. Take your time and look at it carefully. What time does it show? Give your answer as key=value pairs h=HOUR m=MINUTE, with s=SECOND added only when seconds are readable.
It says h=5 m=33
